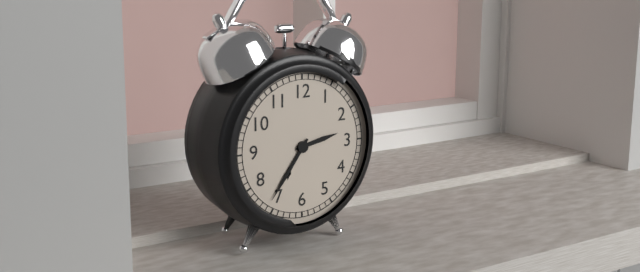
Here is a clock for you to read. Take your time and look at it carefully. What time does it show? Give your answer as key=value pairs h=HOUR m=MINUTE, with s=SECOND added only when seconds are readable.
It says h=2 m=36
